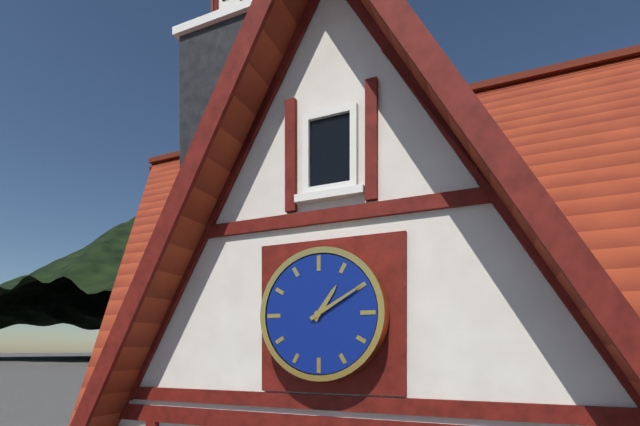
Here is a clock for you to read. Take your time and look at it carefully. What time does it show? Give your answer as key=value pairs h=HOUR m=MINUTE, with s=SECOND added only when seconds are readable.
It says h=1 m=10
